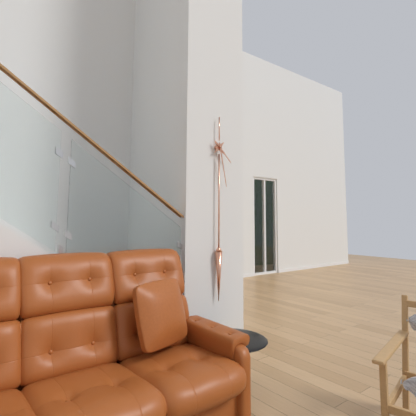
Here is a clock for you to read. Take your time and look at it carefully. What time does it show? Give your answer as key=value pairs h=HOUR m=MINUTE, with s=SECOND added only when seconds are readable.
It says h=4 m=28
